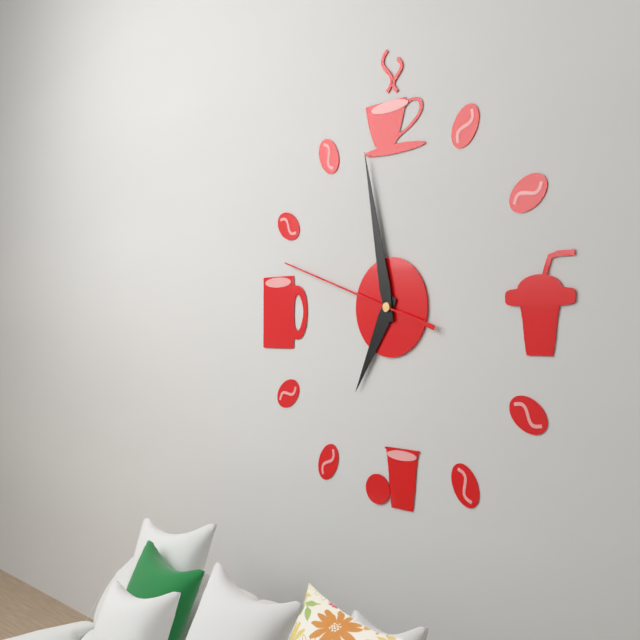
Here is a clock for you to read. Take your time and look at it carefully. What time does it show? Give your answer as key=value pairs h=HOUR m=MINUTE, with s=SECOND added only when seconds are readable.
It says h=6 m=58 s=48
